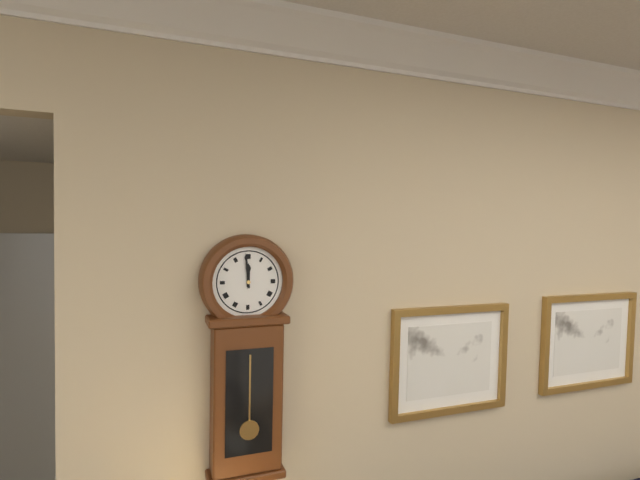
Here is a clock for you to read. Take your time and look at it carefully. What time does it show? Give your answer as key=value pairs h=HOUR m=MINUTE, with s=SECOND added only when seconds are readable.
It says h=11 m=59
